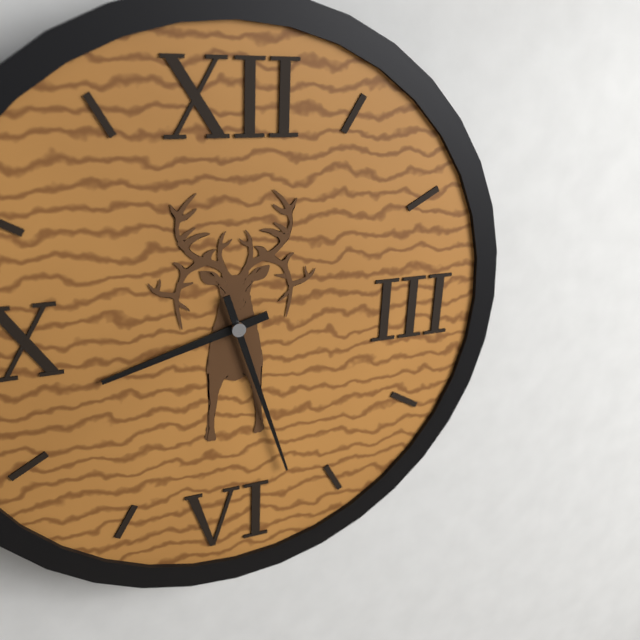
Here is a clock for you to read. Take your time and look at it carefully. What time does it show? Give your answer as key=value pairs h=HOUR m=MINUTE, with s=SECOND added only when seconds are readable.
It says h=8 m=27
